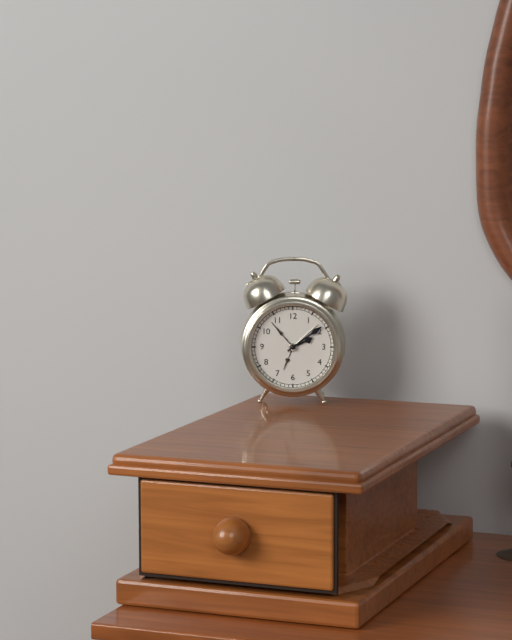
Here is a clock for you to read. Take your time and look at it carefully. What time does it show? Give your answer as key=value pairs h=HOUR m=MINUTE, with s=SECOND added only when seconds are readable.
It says h=2 m=9
